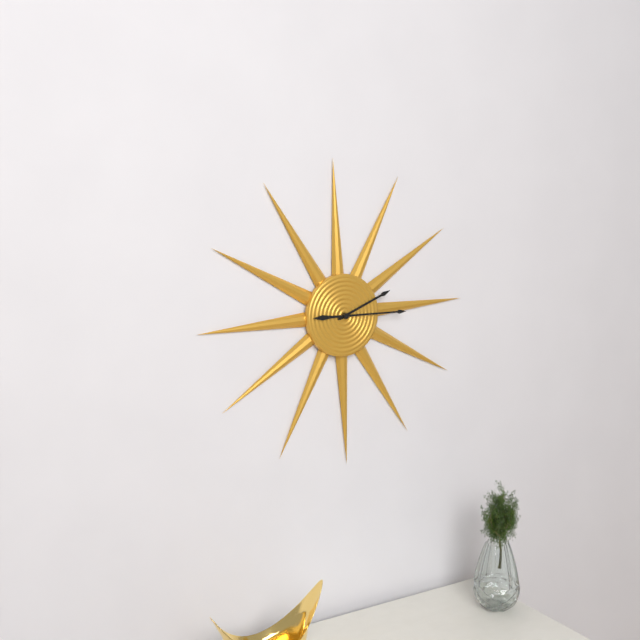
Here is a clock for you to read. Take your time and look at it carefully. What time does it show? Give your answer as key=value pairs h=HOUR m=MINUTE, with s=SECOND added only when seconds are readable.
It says h=2 m=15
